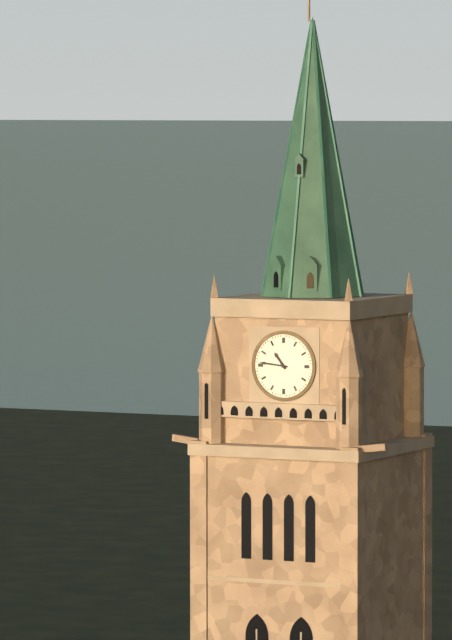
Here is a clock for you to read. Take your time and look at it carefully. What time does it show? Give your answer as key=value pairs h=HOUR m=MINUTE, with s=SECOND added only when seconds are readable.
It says h=10 m=46
